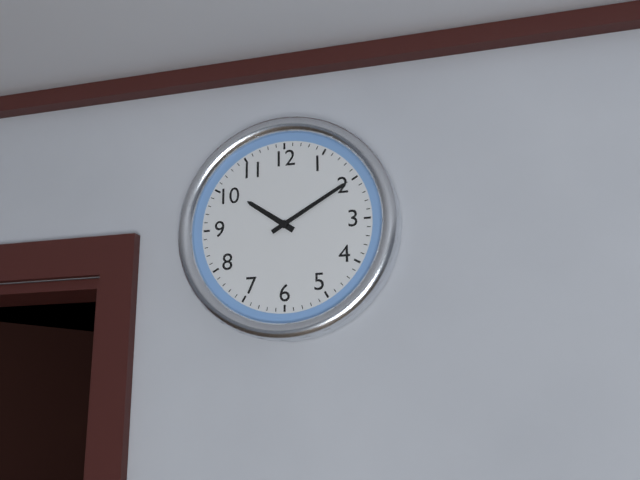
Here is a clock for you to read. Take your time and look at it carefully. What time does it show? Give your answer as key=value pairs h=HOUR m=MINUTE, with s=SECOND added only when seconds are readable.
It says h=10 m=10
